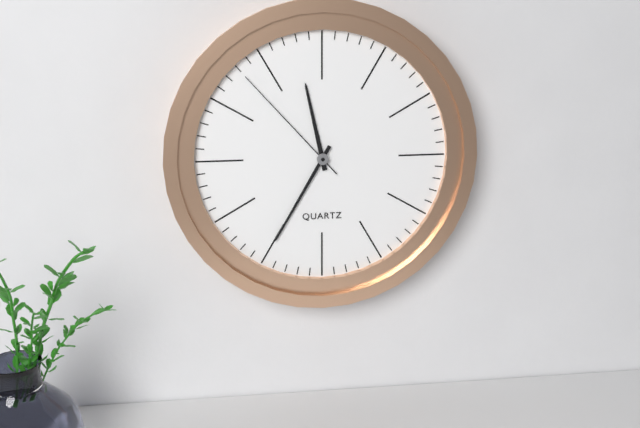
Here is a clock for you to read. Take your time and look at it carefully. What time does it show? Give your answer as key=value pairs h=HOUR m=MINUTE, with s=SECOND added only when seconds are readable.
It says h=11 m=35 s=53
